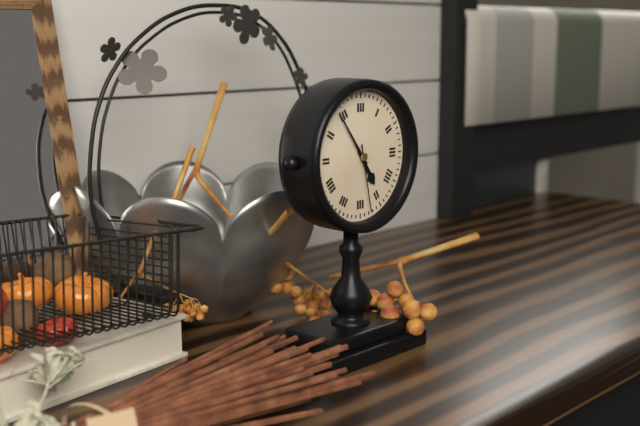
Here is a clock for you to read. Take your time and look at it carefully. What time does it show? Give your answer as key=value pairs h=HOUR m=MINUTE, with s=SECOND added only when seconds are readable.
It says h=4 m=54 s=28
